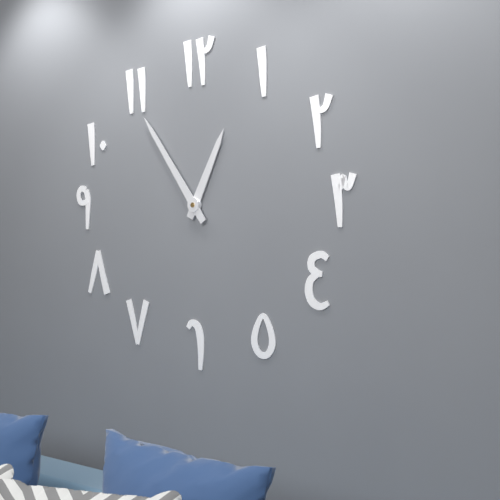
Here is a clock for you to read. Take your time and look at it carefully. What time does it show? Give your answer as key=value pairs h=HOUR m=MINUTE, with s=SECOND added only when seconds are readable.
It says h=12 m=54
